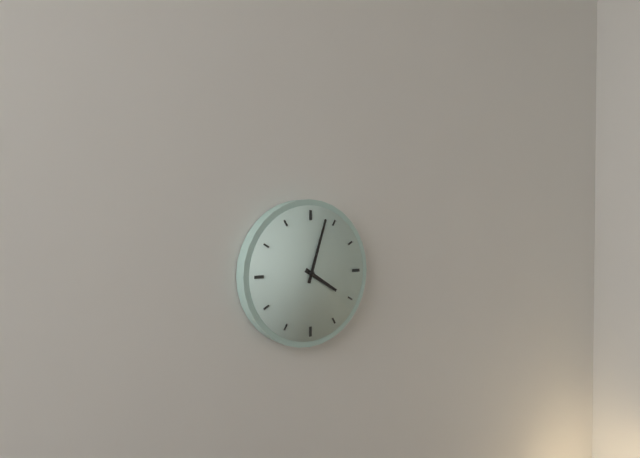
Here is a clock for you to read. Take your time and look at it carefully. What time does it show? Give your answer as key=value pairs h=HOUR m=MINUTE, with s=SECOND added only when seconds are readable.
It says h=4 m=3
